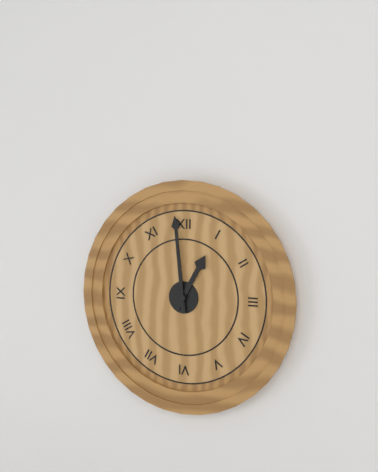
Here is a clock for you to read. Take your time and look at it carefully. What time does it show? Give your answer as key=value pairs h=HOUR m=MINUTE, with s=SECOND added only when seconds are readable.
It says h=12 m=59
